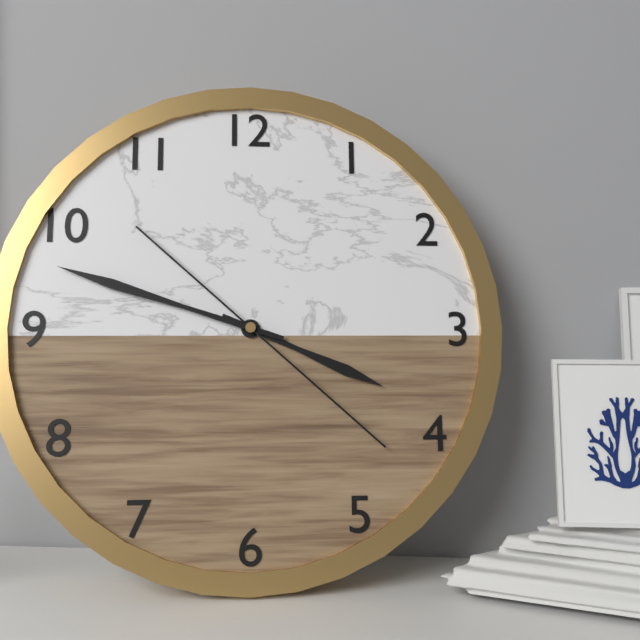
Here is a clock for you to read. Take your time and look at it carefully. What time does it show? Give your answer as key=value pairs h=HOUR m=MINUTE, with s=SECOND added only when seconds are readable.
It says h=3 m=48 s=22
